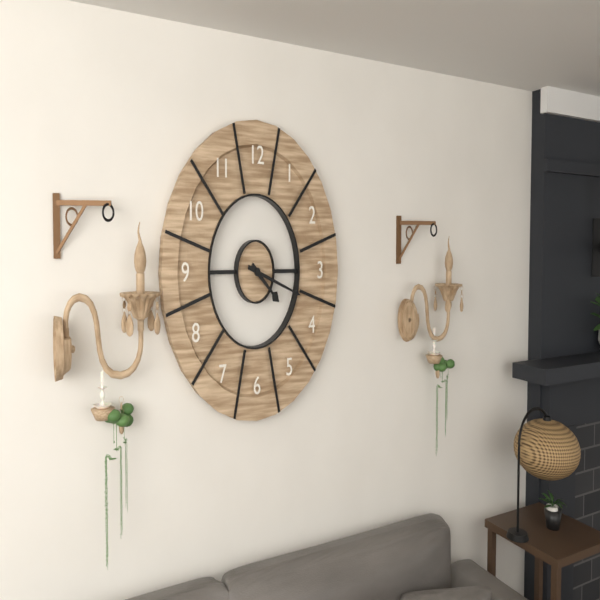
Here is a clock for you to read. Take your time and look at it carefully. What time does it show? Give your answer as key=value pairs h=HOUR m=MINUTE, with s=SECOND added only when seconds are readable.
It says h=4 m=18
